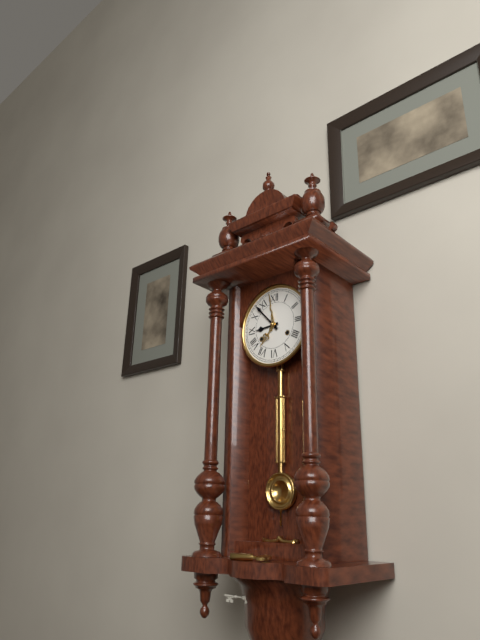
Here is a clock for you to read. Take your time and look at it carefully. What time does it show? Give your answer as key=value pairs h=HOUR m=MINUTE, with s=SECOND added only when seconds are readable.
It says h=8 m=53
